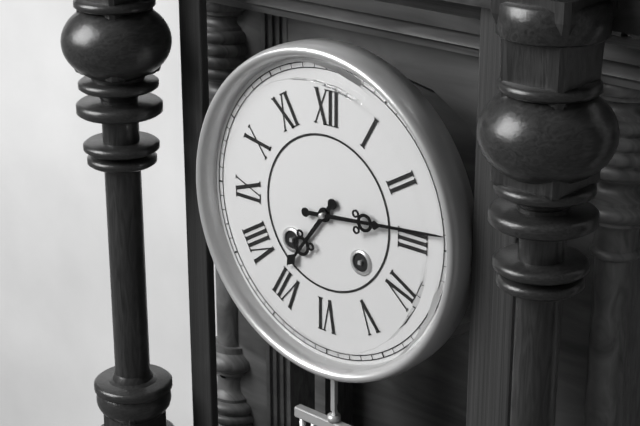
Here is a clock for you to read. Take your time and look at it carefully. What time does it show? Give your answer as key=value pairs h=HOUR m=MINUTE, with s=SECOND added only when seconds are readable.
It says h=7 m=14
